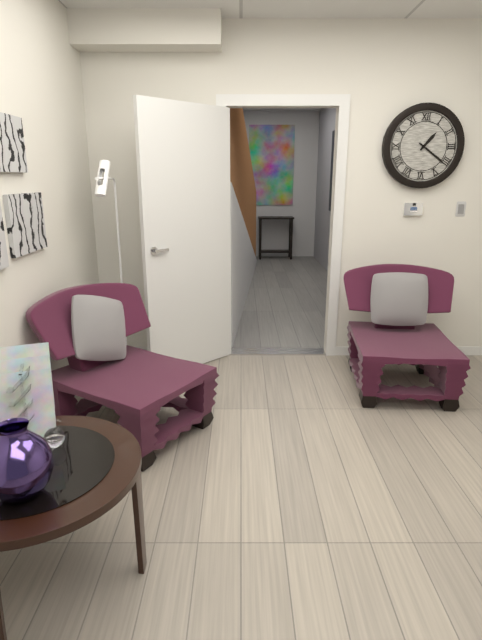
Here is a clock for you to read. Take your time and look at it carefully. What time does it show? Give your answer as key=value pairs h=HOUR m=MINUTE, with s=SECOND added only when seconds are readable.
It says h=1 m=21
